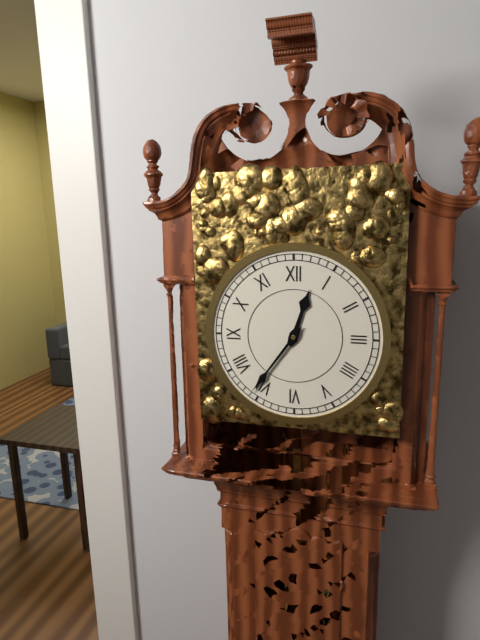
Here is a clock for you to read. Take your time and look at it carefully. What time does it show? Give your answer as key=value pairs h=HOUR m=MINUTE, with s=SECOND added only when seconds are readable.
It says h=12 m=36
